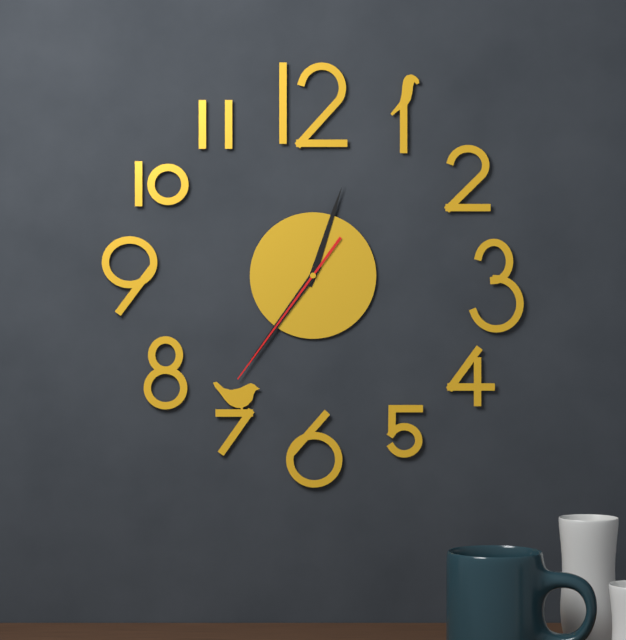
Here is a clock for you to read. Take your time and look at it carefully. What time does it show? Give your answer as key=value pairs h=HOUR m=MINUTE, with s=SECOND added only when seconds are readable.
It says h=12 m=36 s=36
